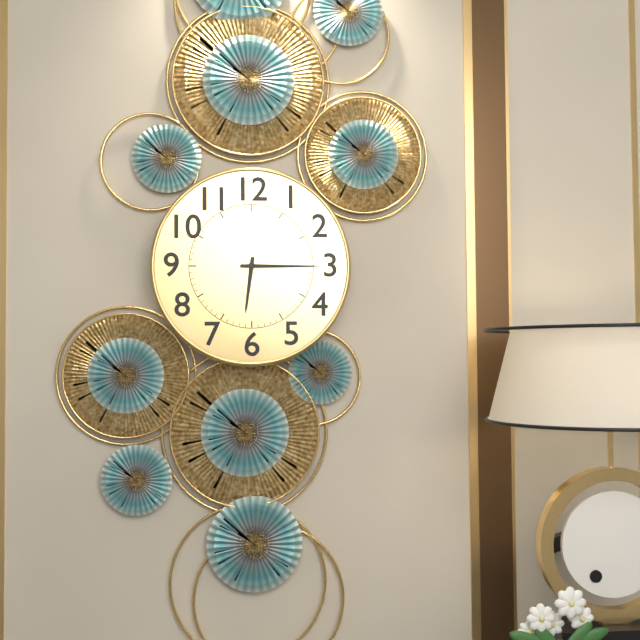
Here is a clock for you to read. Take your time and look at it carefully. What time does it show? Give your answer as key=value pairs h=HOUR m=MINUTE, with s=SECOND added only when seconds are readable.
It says h=6 m=15
